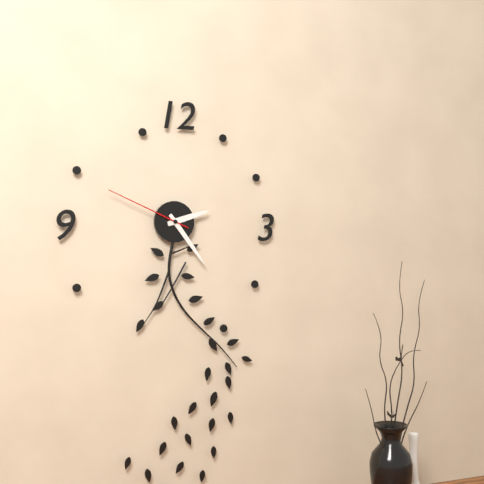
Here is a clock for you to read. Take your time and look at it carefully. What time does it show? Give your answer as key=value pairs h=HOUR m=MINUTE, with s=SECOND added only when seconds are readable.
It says h=2 m=24 s=49
